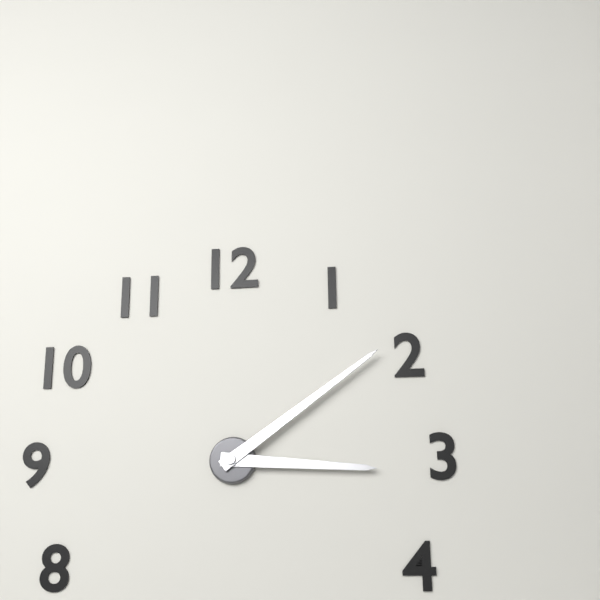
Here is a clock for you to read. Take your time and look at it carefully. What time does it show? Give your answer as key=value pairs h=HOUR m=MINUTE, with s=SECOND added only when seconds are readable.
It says h=3 m=9
